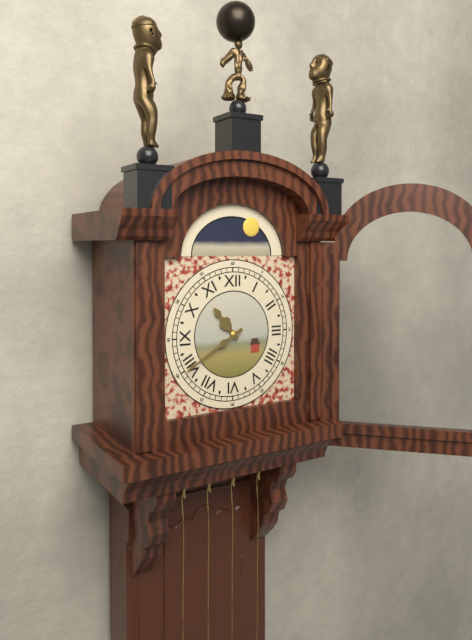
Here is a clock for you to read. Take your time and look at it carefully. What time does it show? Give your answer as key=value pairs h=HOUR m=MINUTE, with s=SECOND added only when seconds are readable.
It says h=10 m=40
